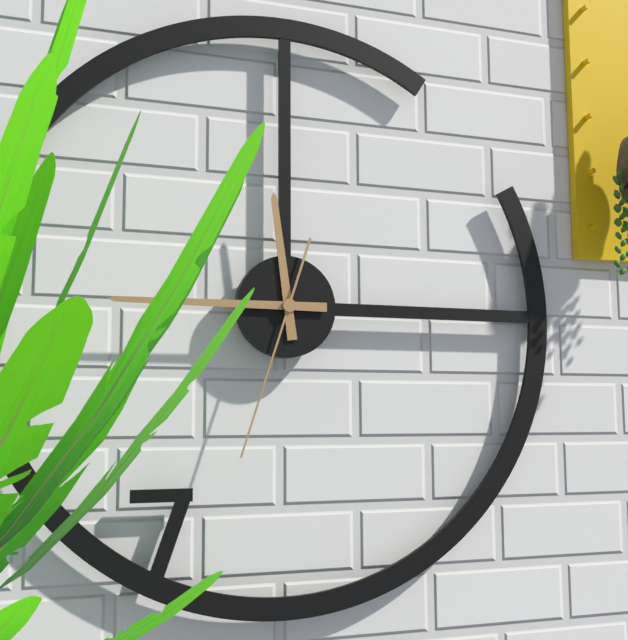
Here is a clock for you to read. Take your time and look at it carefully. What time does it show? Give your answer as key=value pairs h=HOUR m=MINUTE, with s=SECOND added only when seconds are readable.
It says h=11 m=45 s=33
